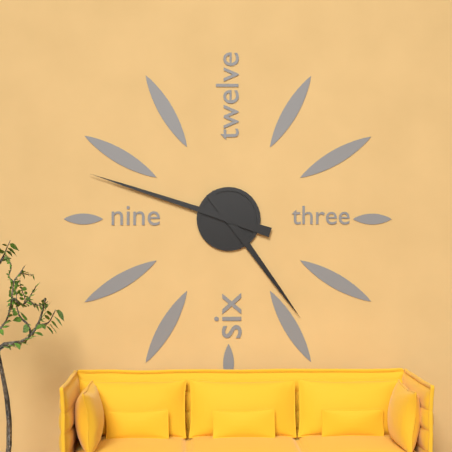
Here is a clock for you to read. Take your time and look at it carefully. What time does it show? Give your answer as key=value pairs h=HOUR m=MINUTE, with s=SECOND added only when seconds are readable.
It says h=4 m=48
